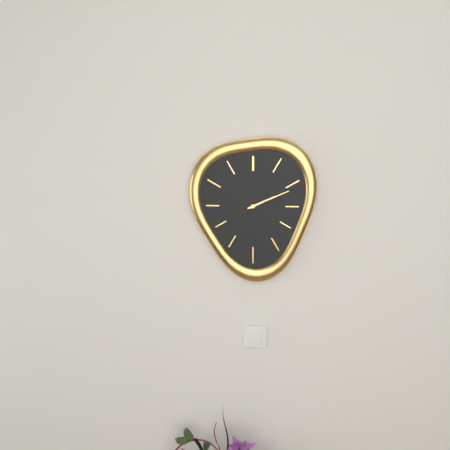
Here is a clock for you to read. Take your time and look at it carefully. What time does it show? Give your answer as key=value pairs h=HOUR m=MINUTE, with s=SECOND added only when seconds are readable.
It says h=2 m=11
